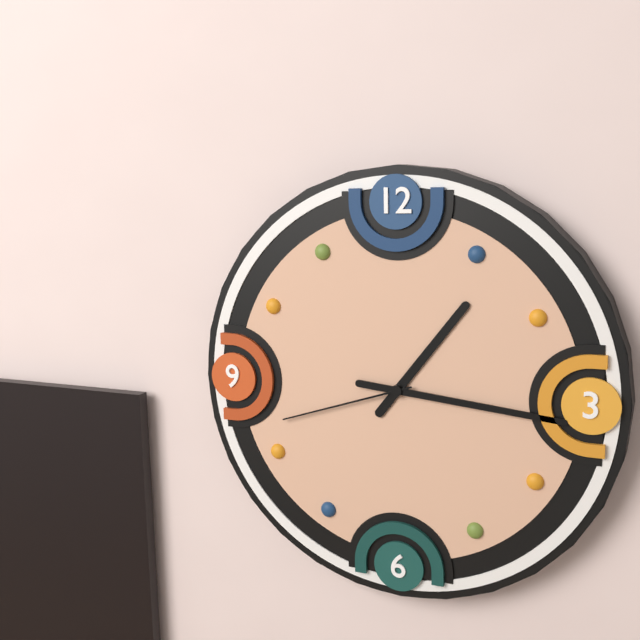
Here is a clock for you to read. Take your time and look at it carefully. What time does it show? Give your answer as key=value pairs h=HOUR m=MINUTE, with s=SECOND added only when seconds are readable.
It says h=1 m=16 s=42
